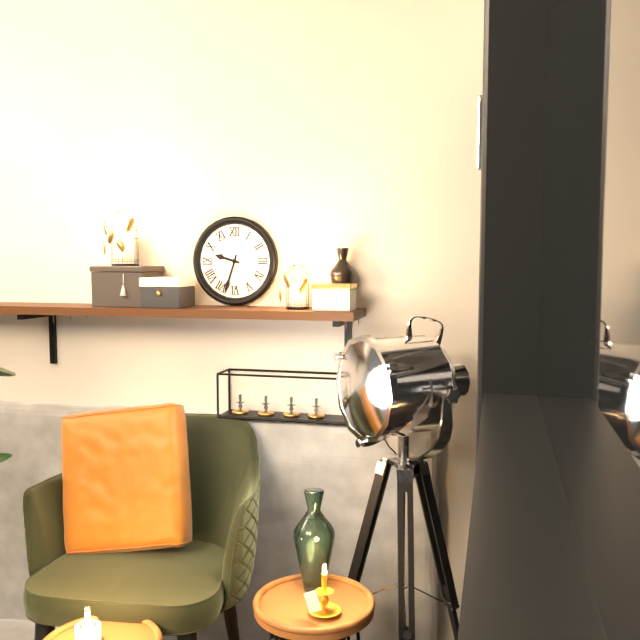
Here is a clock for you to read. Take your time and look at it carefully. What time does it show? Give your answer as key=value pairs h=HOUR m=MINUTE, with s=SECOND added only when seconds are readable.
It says h=9 m=33
